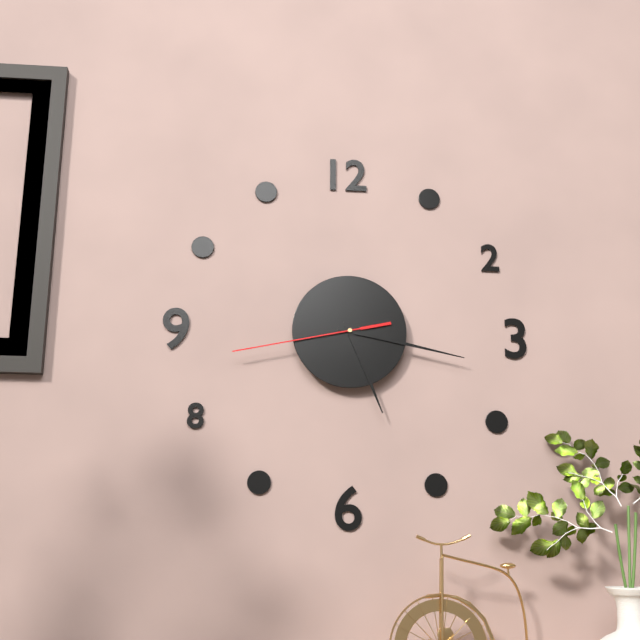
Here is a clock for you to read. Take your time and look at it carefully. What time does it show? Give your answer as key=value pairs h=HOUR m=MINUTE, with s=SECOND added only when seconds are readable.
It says h=5 m=17 s=43
